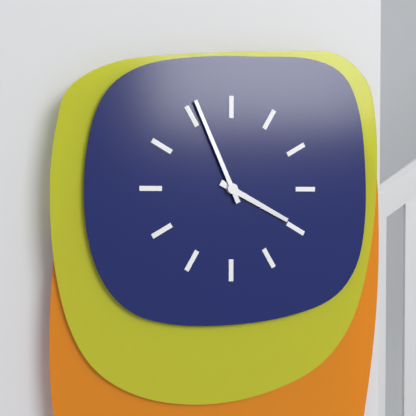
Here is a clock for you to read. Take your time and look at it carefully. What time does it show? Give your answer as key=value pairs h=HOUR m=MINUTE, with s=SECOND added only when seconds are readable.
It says h=3 m=56
